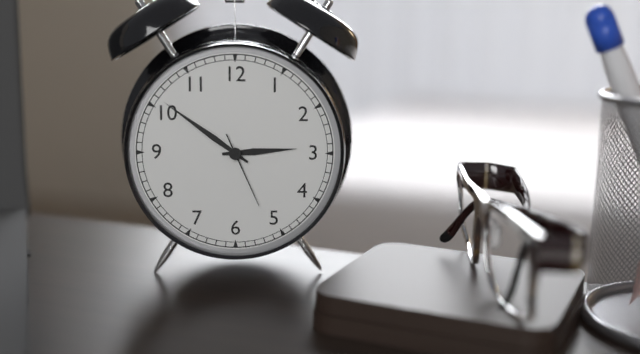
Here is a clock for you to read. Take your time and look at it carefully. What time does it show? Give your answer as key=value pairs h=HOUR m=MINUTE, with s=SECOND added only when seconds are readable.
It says h=2 m=51 s=26
